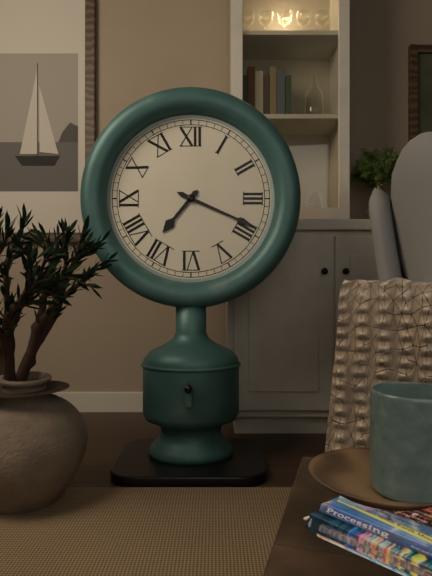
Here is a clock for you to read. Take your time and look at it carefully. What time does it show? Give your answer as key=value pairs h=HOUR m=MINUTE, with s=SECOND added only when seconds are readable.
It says h=7 m=19
